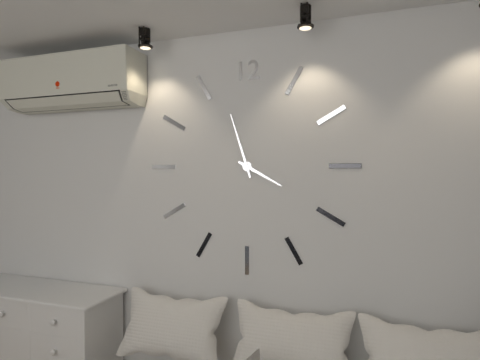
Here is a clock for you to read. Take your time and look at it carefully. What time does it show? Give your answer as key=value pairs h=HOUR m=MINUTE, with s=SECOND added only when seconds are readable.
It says h=3 m=57
